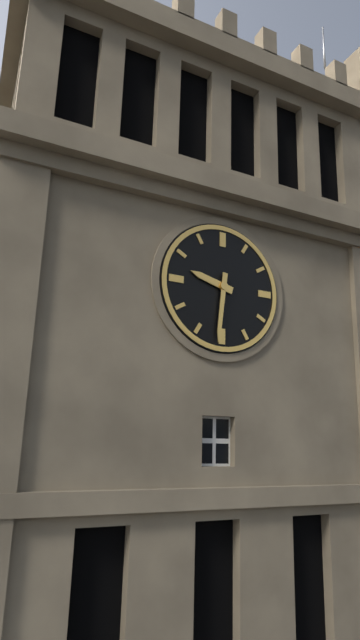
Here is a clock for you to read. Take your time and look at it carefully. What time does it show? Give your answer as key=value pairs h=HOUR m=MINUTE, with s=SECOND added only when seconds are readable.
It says h=9 m=31
